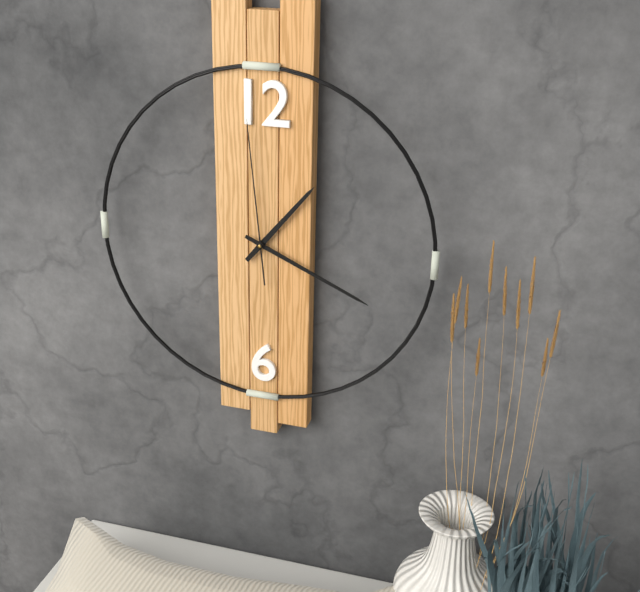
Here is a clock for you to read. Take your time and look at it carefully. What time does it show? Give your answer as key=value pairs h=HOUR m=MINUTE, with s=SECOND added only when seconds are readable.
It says h=1 m=19 s=59
